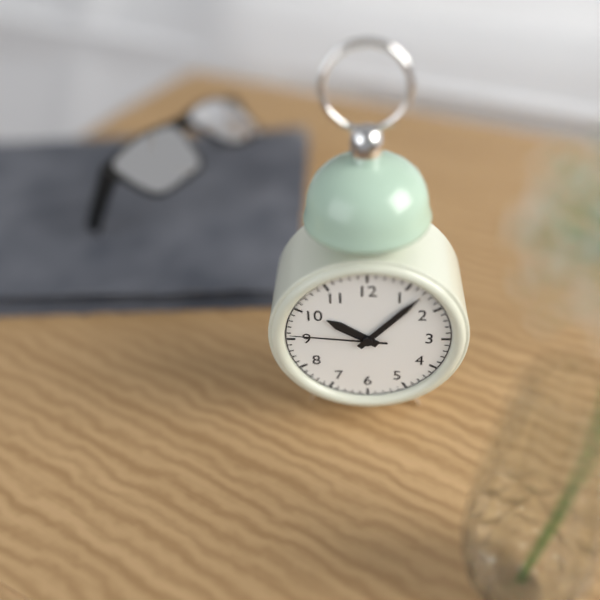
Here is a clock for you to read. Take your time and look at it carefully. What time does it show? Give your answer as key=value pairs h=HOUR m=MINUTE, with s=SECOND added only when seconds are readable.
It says h=10 m=7 s=46
